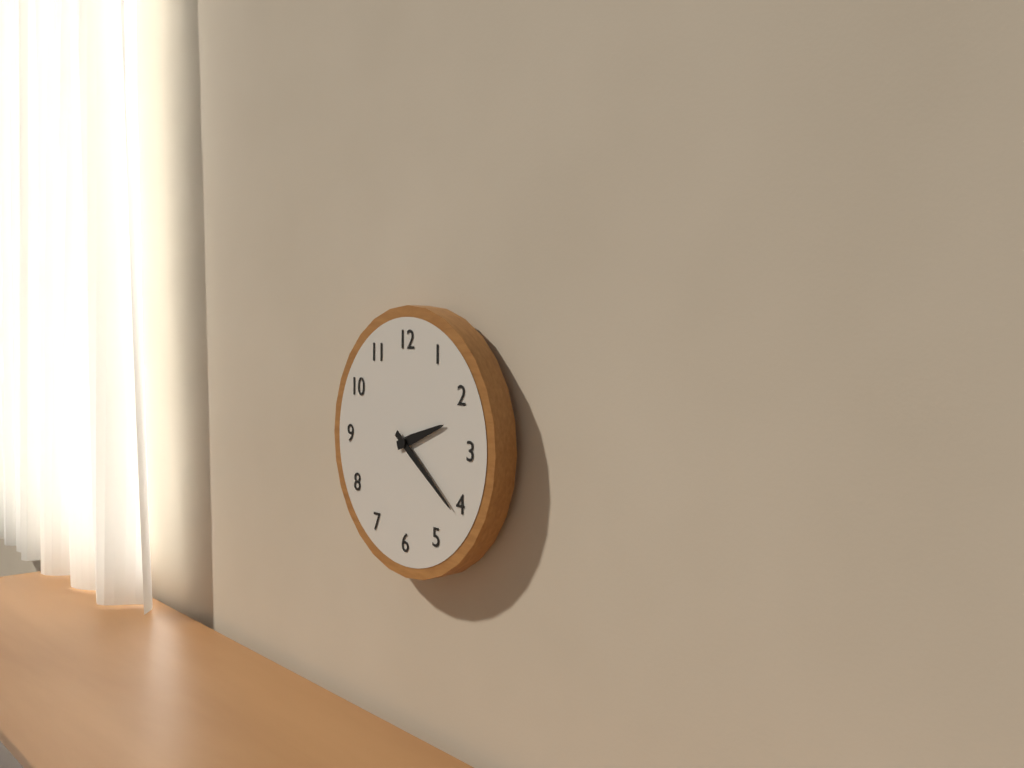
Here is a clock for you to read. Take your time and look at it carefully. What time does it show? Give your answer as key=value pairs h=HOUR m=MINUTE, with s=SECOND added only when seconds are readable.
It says h=2 m=21
